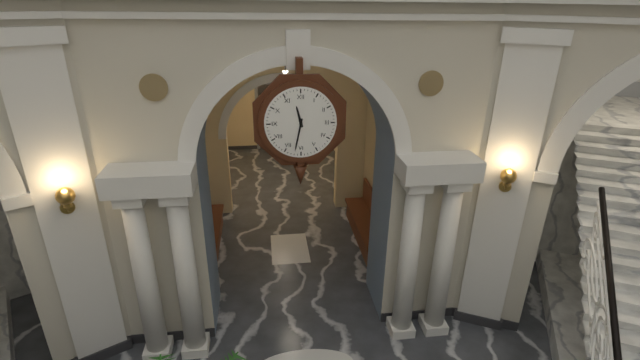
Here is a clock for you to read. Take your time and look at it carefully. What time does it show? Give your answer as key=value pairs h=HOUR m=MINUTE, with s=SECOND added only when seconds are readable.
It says h=11 m=32
